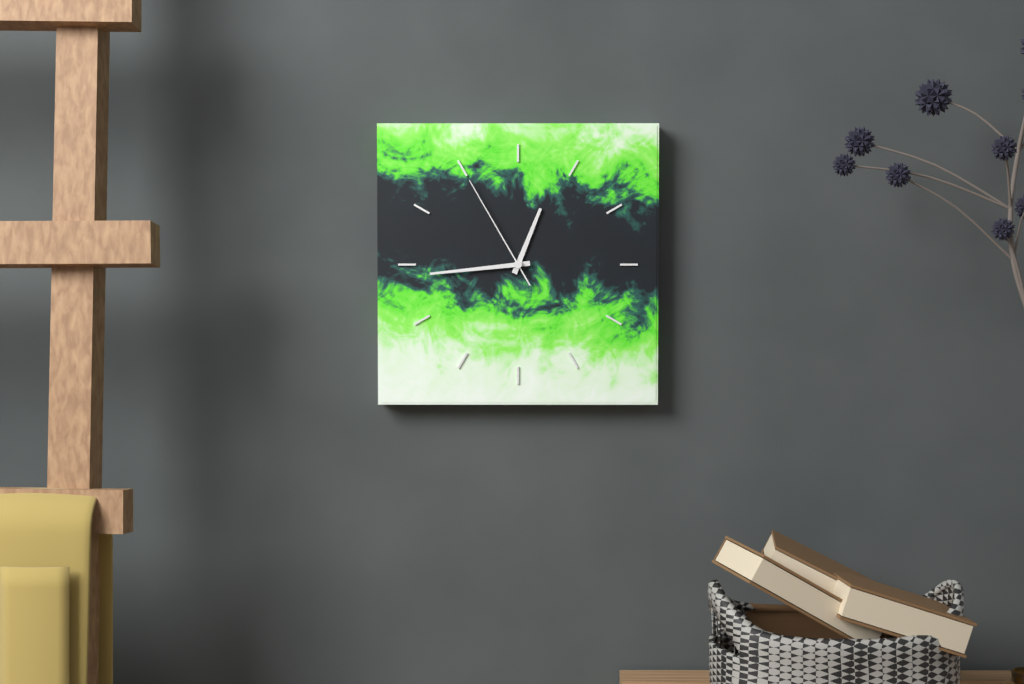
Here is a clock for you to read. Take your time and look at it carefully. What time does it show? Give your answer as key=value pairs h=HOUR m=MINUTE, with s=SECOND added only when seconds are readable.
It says h=12 m=44 s=55
